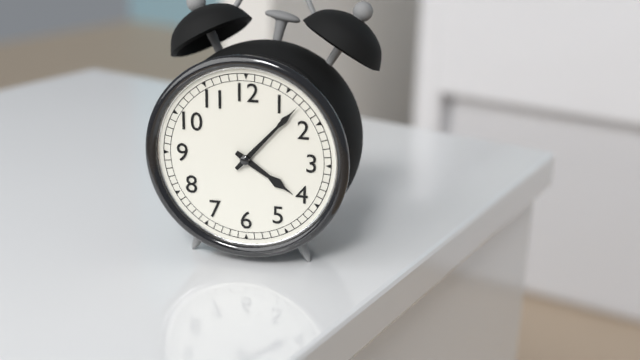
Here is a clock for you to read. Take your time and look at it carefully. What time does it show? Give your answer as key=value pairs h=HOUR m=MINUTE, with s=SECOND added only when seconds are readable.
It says h=4 m=7
